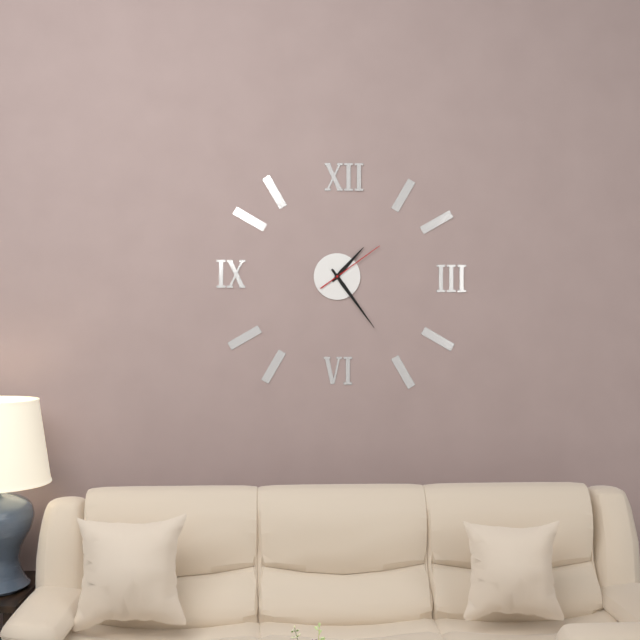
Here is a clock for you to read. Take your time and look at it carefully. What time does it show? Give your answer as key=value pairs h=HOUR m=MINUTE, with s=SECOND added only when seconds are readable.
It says h=1 m=24 s=9
